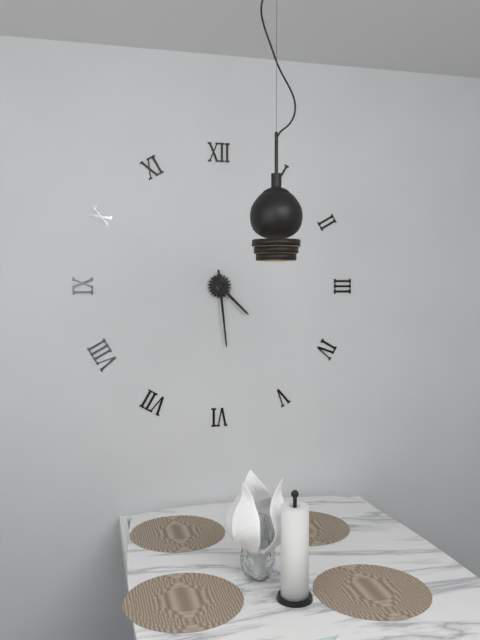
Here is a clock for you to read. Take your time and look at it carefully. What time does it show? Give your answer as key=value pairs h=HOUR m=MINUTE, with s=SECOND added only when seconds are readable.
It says h=4 m=29
